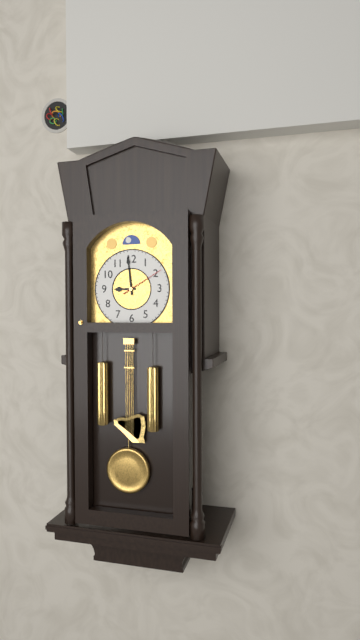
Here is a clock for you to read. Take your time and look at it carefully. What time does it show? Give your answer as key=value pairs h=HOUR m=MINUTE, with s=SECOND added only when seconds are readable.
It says h=8 m=59
